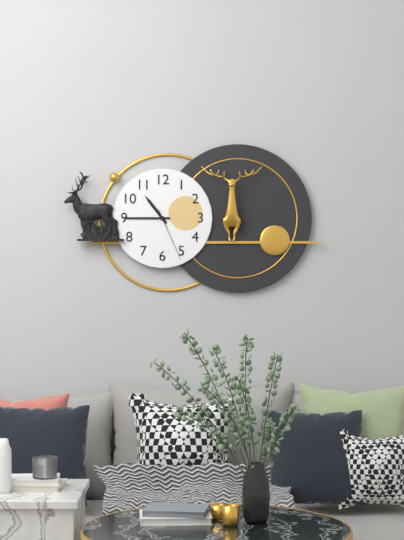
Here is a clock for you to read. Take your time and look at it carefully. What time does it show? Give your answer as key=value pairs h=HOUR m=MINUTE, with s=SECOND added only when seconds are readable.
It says h=10 m=45 s=26
